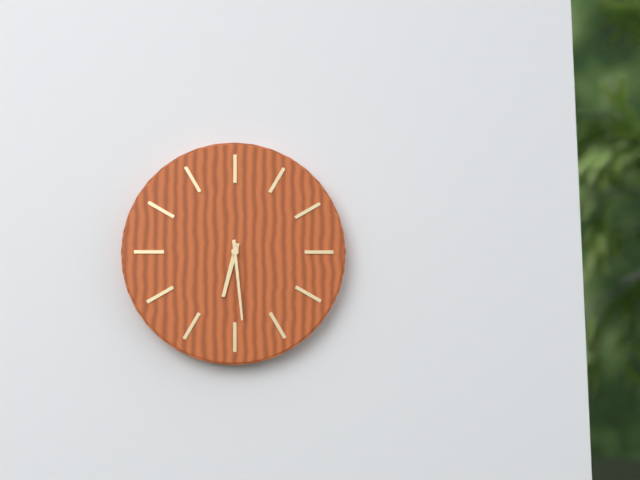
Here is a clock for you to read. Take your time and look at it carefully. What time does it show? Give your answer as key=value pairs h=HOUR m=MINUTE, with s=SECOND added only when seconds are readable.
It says h=6 m=29
